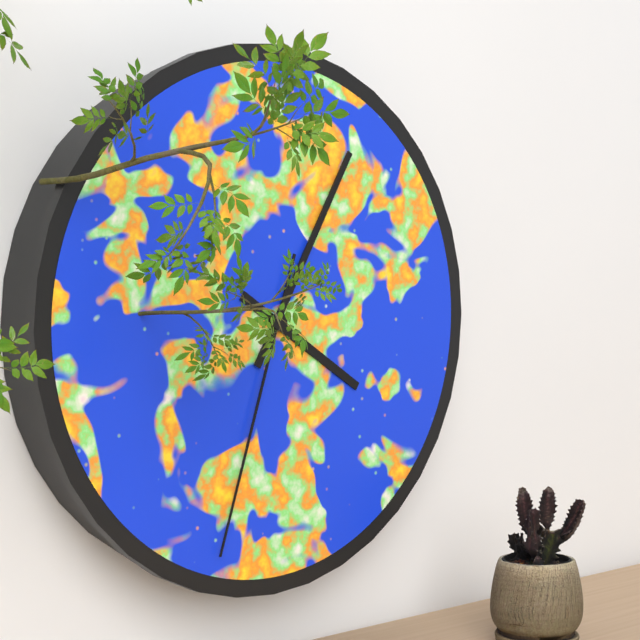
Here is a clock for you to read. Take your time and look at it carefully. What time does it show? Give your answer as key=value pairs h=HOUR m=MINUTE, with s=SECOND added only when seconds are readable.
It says h=4 m=5 s=33
